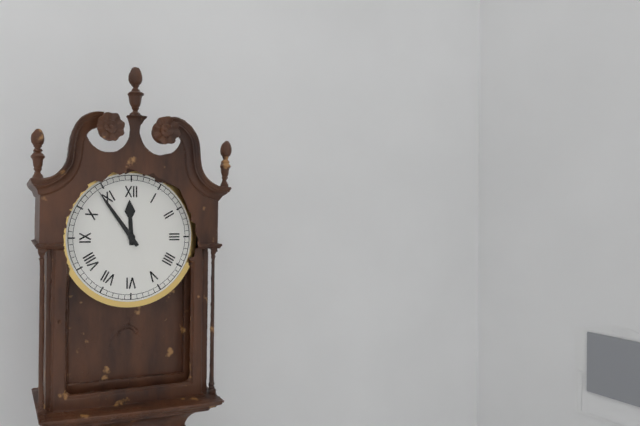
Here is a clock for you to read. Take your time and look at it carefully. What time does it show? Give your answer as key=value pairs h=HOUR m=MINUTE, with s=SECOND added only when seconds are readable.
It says h=11 m=54
